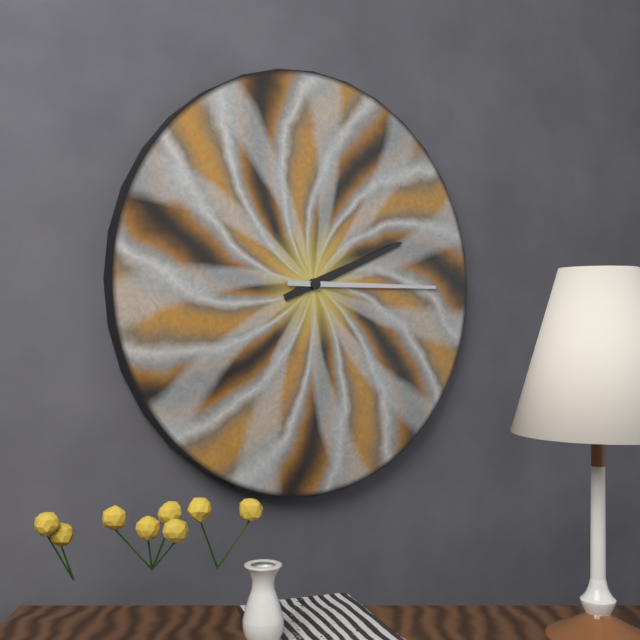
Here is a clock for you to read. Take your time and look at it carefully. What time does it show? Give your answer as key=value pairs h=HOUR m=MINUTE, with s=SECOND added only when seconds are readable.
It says h=2 m=15
